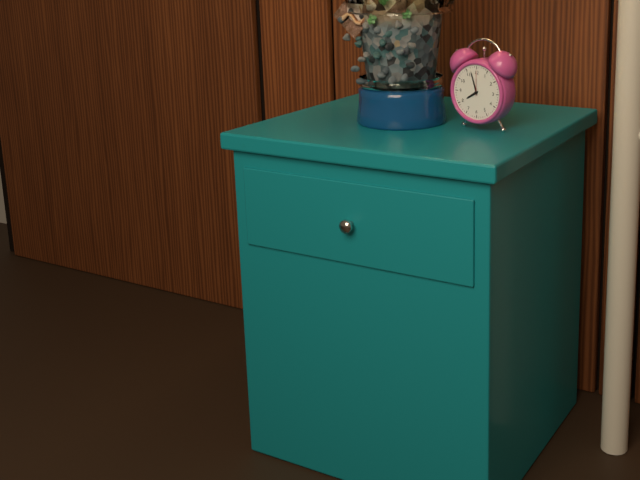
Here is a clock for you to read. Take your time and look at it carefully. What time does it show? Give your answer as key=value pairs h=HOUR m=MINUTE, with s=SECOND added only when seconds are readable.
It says h=7 m=57
